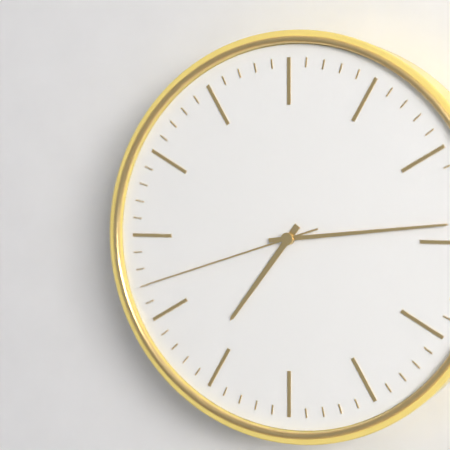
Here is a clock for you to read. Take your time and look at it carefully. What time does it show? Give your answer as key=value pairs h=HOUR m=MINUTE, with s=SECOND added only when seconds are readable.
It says h=7 m=14 s=42
